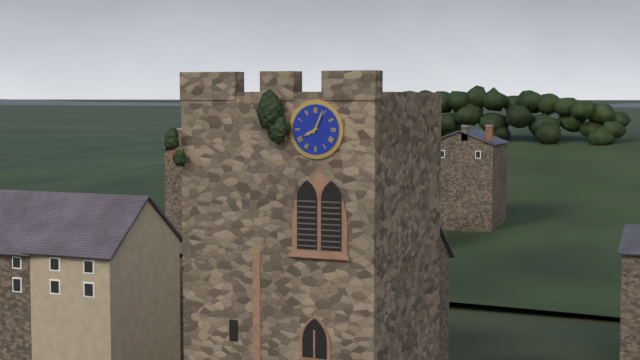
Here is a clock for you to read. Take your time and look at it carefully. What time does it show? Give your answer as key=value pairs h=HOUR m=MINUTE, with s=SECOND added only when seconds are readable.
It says h=8 m=4
